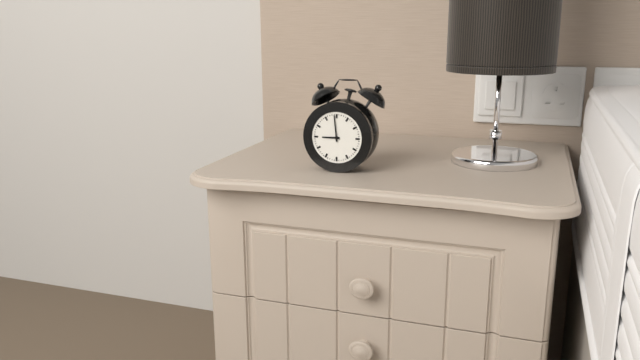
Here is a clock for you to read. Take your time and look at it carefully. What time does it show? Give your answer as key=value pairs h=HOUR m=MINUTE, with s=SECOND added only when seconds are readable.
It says h=8 m=59
